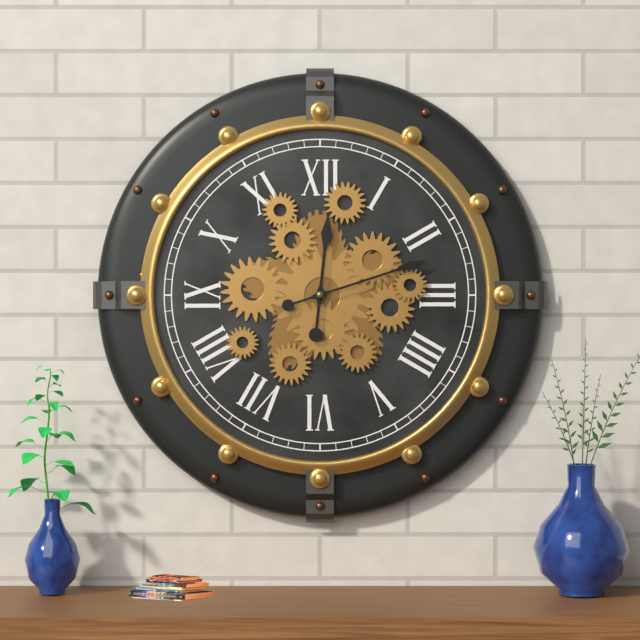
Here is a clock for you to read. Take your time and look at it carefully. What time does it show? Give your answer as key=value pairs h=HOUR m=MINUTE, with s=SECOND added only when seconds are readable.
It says h=12 m=12
